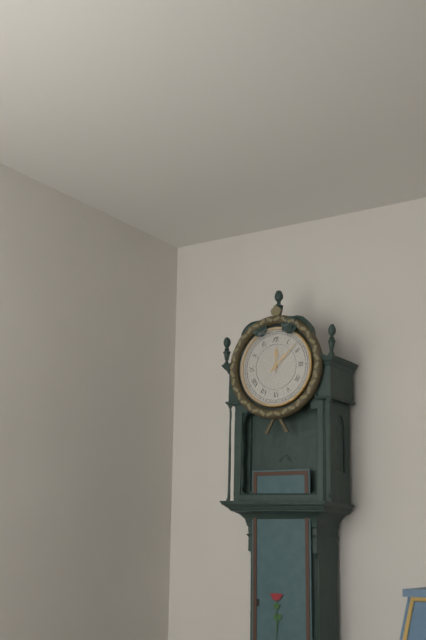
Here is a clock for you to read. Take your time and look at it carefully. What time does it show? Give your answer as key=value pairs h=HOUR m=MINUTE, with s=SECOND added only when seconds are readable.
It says h=12 m=8
